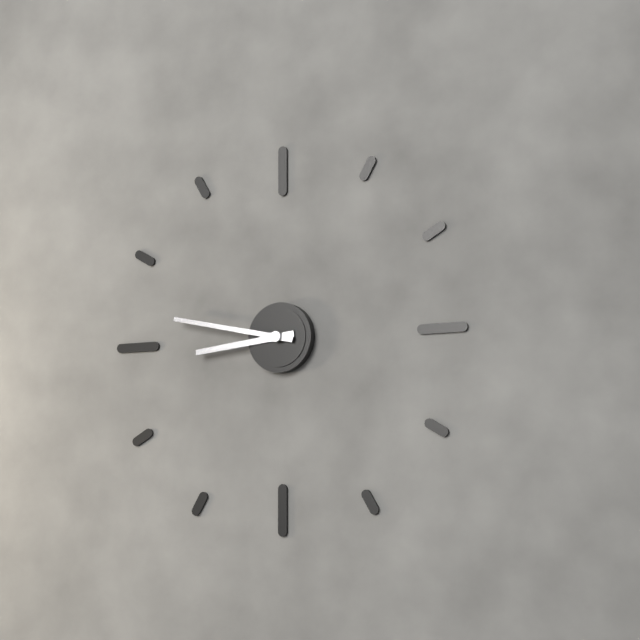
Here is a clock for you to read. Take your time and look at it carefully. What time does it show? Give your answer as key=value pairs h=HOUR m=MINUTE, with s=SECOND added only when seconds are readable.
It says h=8 m=47
